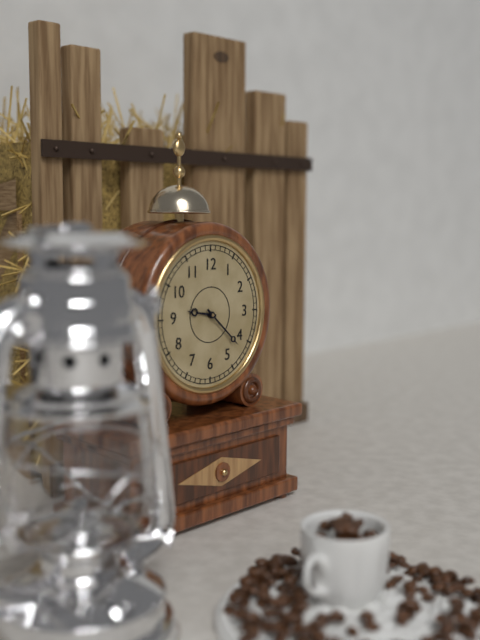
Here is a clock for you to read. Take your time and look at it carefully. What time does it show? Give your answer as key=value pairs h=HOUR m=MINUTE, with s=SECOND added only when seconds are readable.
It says h=9 m=22
